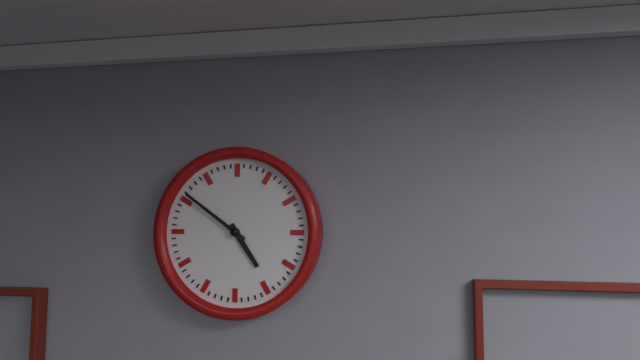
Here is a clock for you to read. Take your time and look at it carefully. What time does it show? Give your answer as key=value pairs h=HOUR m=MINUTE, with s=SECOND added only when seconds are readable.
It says h=4 m=51
